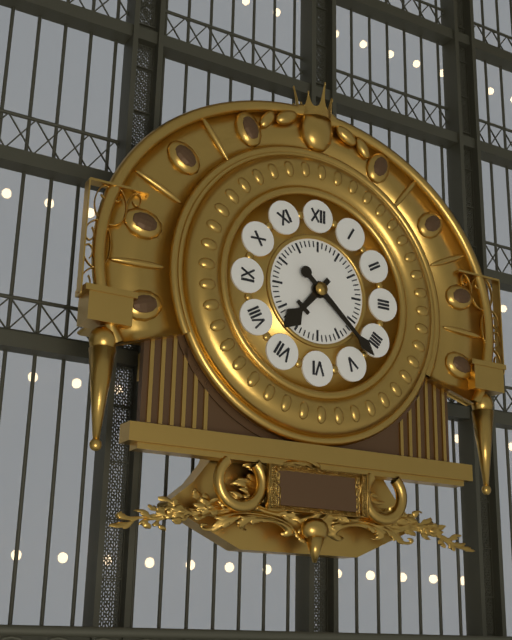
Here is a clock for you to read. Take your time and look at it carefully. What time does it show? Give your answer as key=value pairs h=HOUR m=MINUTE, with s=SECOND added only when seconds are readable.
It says h=7 m=22
